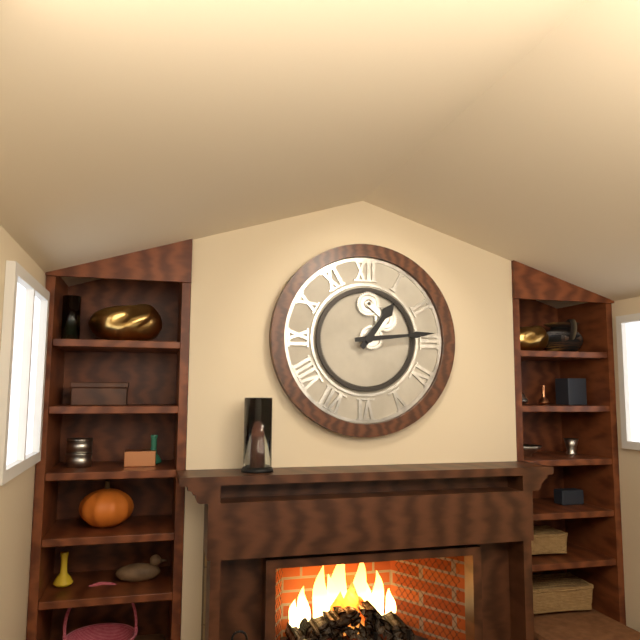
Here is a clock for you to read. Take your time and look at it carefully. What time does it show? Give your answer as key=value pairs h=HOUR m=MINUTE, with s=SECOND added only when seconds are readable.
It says h=1 m=14
